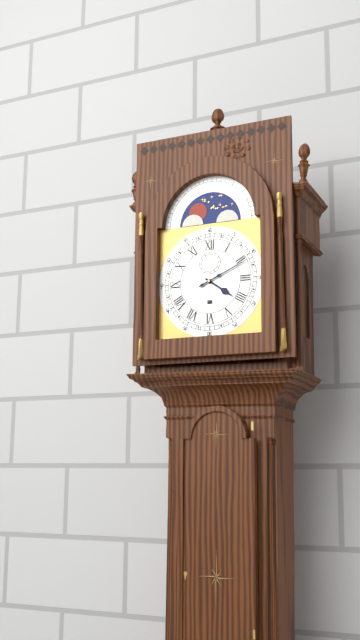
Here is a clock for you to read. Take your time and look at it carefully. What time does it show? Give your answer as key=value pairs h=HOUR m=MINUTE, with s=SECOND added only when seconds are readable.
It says h=4 m=11
